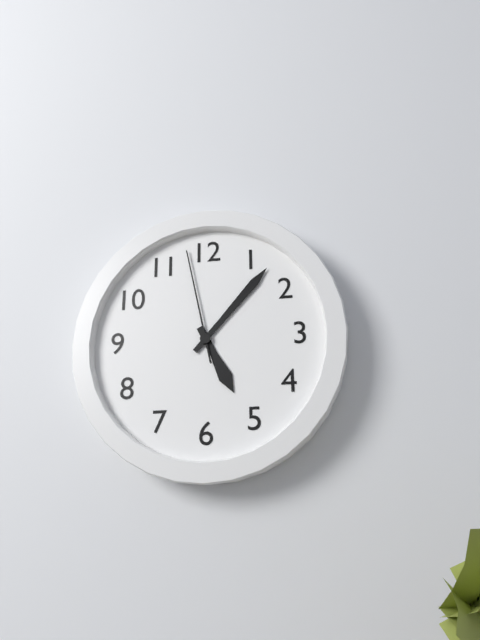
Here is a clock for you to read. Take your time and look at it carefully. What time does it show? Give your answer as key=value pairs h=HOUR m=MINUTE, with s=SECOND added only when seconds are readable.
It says h=5 m=7 s=58
